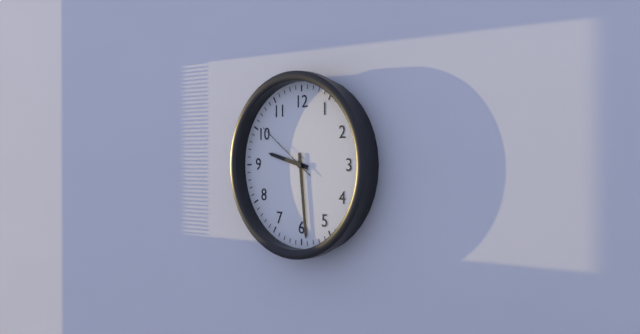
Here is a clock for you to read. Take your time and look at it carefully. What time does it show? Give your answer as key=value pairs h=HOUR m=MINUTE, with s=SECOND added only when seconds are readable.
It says h=9 m=29 s=51
